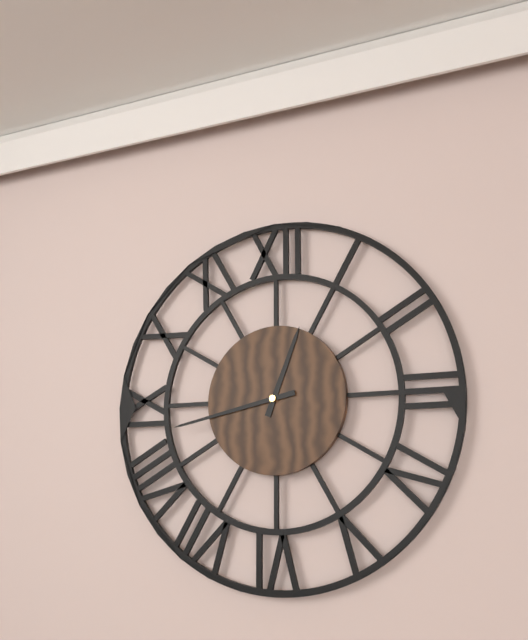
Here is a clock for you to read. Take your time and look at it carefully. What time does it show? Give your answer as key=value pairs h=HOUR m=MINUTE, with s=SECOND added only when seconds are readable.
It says h=12 m=43
